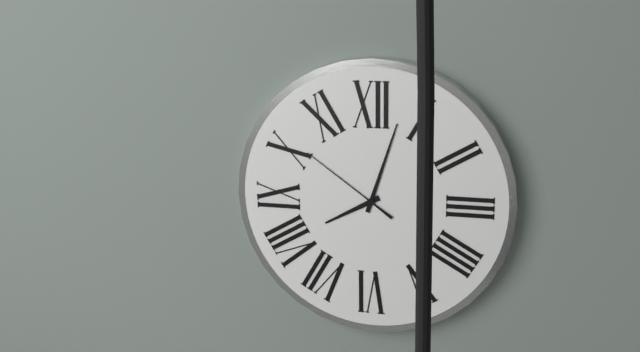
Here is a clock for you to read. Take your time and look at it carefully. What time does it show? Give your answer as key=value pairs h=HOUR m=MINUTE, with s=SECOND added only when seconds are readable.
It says h=8 m=3 s=51
